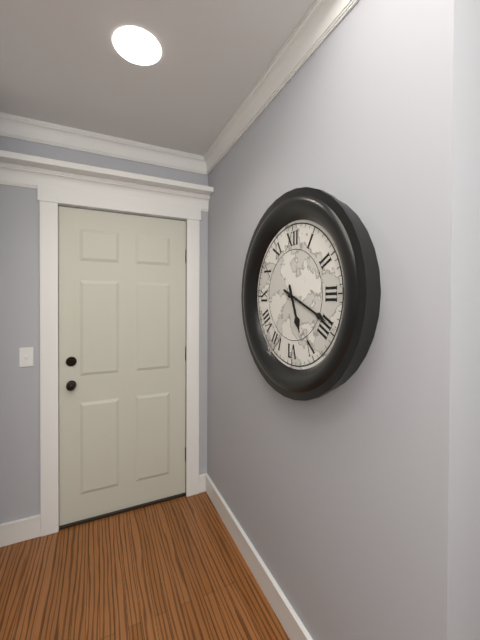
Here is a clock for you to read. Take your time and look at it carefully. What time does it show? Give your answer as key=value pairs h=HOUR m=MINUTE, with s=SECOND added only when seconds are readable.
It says h=5 m=19
